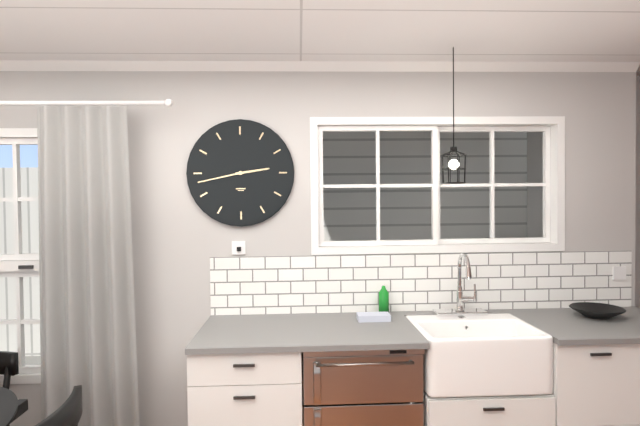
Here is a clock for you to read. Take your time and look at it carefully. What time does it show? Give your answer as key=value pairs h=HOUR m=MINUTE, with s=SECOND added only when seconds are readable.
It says h=2 m=43
